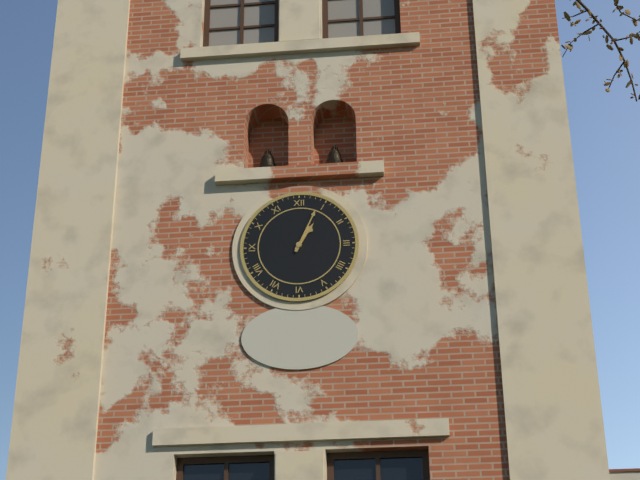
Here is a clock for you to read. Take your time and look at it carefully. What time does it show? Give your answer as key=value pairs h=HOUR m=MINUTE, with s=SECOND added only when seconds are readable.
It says h=1 m=4
